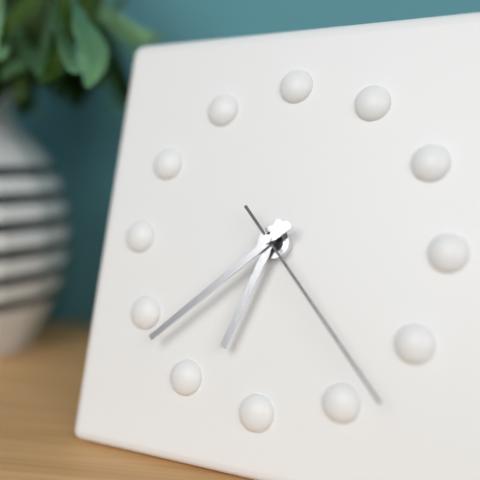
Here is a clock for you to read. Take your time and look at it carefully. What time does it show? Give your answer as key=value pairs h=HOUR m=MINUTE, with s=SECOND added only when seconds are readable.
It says h=6 m=38 s=23
